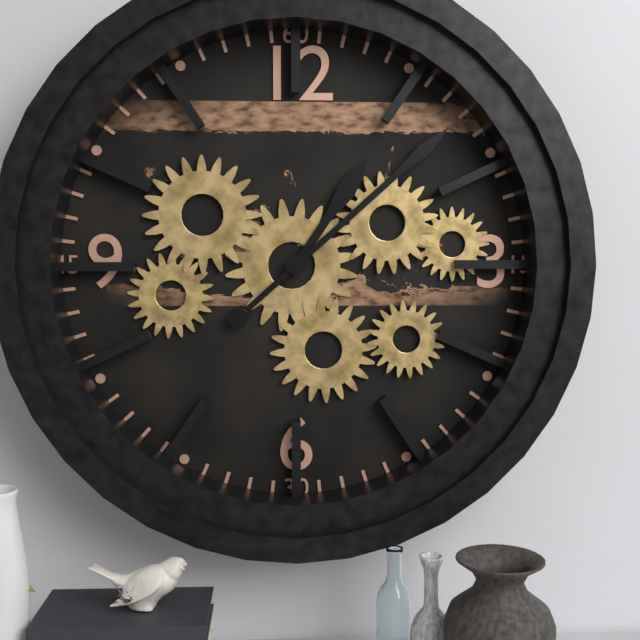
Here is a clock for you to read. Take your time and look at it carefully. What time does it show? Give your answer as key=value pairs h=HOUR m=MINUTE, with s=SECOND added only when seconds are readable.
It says h=1 m=8
